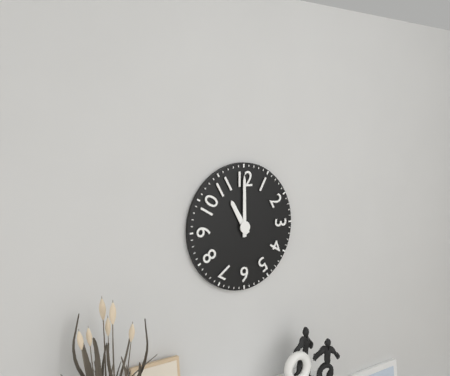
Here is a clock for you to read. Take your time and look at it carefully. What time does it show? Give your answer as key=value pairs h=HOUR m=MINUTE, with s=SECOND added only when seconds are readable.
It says h=11 m=0
